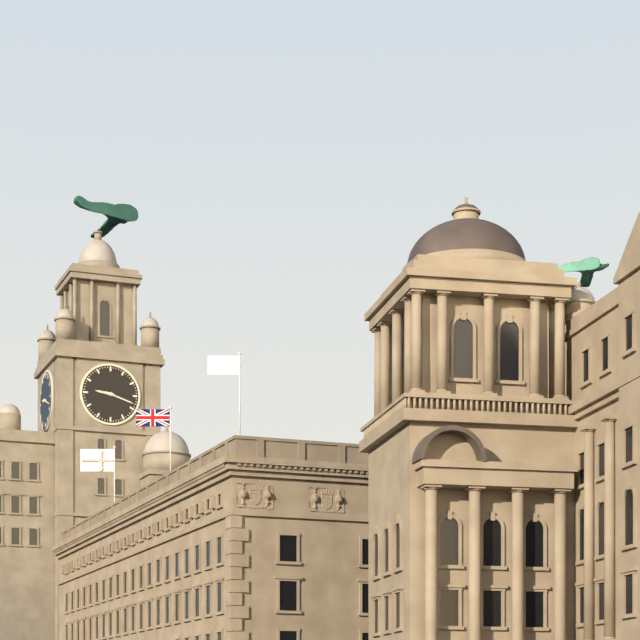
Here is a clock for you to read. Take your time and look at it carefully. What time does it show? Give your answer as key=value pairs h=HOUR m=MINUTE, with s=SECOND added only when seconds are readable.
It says h=9 m=18
